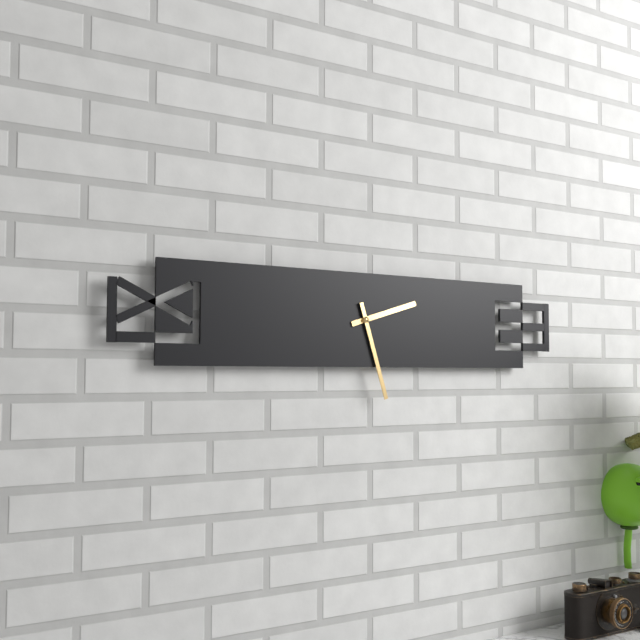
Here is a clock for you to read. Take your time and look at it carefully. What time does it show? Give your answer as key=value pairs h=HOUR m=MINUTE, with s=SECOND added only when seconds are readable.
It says h=2 m=27
